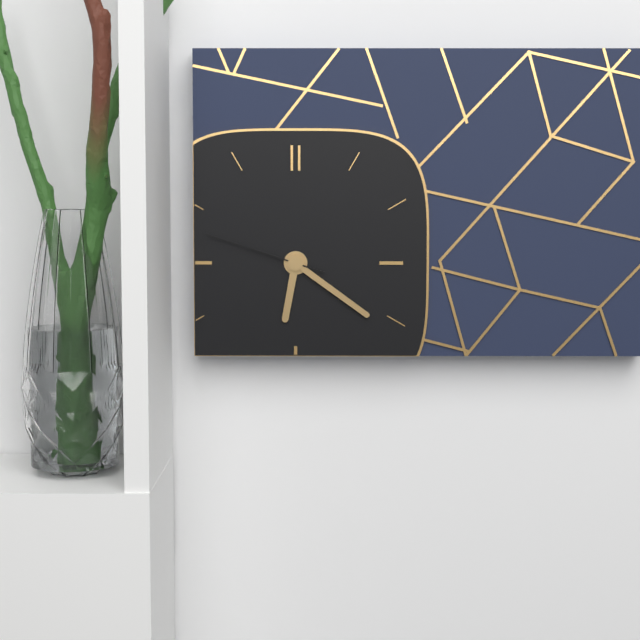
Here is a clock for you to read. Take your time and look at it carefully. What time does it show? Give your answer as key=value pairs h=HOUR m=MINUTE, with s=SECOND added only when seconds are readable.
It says h=6 m=21 s=48
